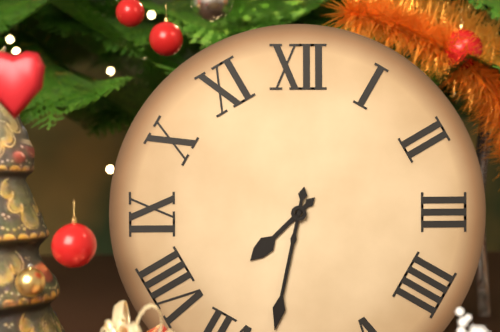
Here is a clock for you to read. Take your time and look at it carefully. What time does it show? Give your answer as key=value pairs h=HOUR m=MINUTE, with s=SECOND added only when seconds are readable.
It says h=7 m=32
